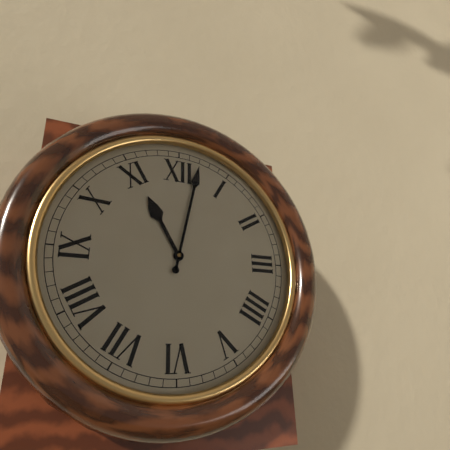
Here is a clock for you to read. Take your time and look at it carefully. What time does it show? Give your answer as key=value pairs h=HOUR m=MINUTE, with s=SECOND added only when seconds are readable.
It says h=11 m=2
